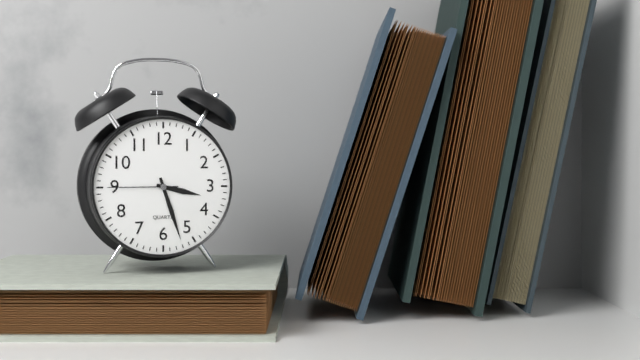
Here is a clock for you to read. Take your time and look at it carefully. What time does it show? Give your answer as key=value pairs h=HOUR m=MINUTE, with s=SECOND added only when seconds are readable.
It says h=3 m=27 s=45
